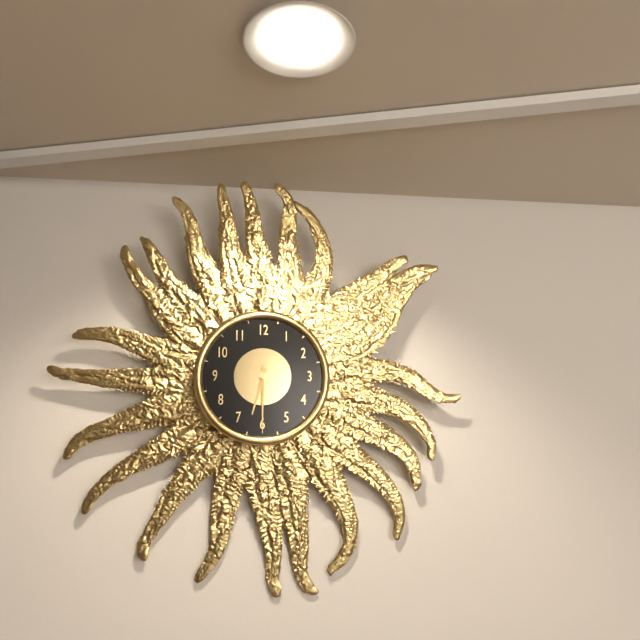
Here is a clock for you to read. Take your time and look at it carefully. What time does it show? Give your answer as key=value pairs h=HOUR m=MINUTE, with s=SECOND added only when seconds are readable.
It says h=6 m=30
